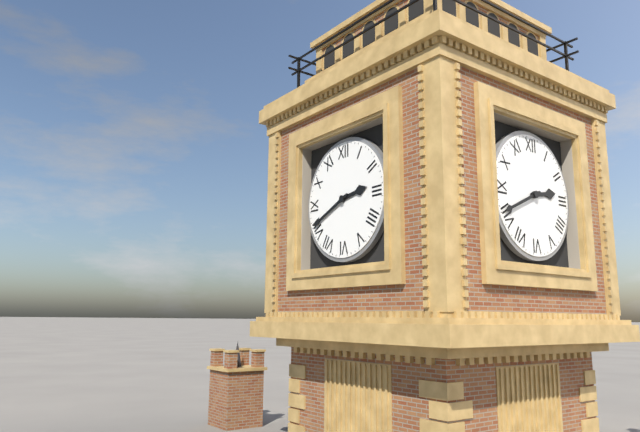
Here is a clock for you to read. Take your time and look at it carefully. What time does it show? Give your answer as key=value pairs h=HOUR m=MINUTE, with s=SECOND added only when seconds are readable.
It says h=2 m=41
